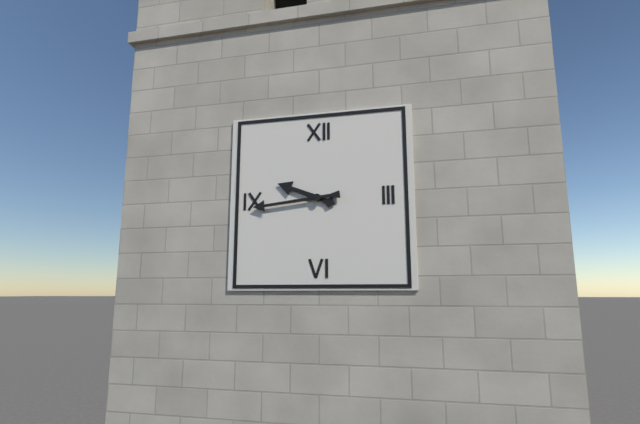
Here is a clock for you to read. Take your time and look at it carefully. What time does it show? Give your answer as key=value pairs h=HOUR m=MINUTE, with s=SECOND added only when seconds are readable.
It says h=9 m=44
